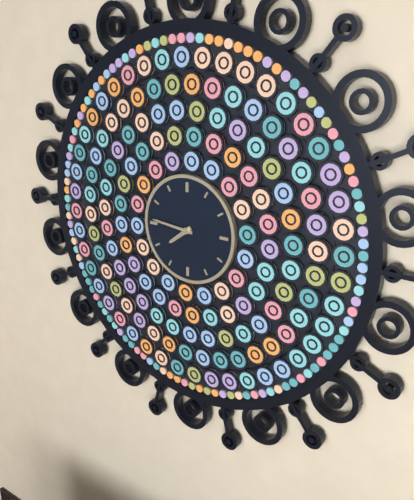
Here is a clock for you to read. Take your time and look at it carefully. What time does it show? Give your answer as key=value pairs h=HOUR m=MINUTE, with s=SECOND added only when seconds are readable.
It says h=7 m=46
